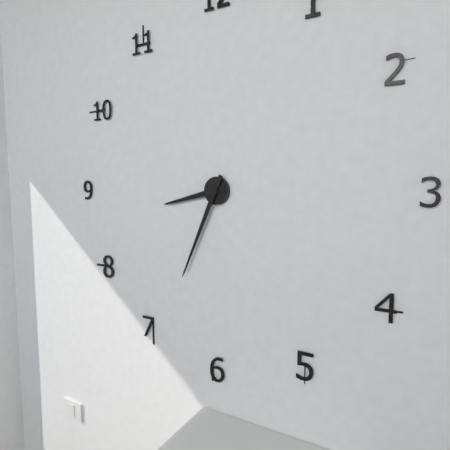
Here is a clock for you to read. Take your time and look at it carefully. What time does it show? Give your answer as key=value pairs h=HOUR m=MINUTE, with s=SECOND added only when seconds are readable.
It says h=8 m=34
